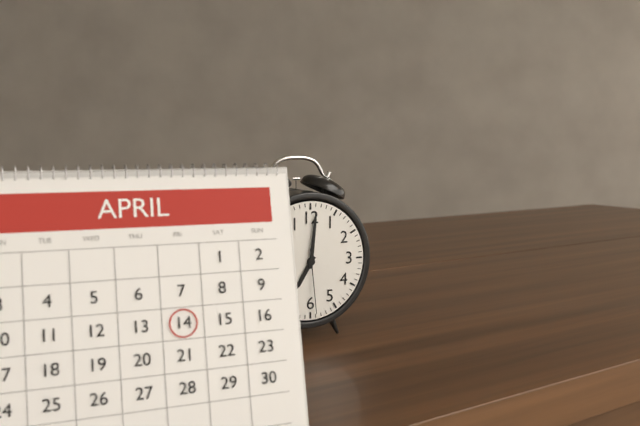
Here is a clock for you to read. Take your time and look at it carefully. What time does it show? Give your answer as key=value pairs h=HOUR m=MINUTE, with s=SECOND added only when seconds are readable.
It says h=7 m=1 s=29
